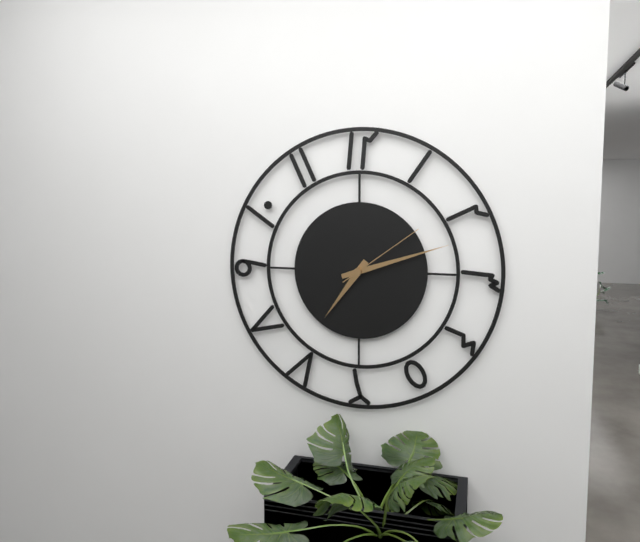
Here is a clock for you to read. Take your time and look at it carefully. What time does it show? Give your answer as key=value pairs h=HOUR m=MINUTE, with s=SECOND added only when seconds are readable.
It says h=7 m=12 s=9
